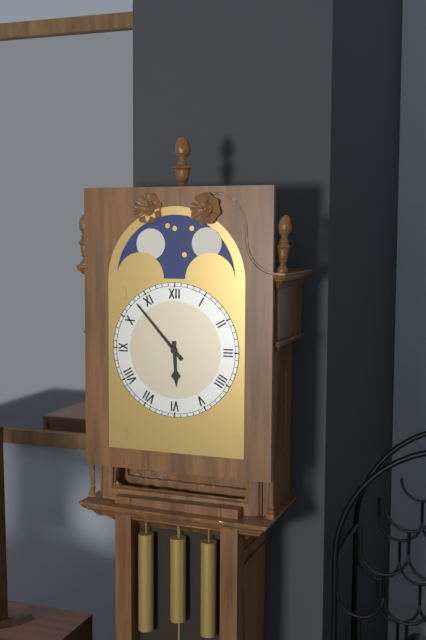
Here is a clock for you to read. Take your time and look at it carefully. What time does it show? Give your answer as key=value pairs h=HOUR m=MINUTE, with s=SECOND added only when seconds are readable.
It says h=5 m=53
